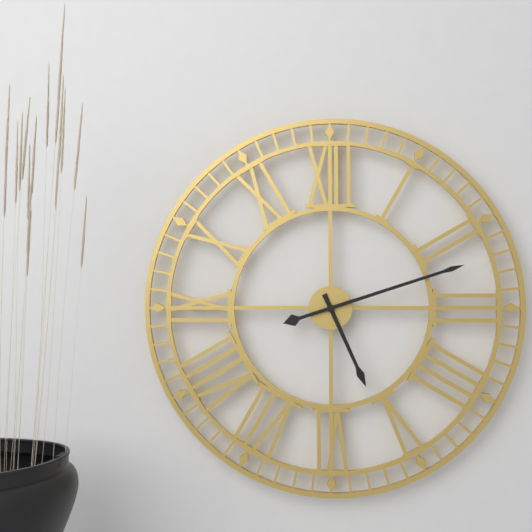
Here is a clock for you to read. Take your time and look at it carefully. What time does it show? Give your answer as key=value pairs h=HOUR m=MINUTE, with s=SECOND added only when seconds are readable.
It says h=5 m=12
